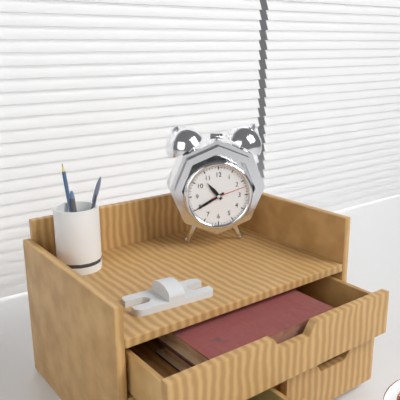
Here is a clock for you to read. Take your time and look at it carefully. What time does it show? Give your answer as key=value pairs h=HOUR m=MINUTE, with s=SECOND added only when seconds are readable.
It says h=10 m=40
